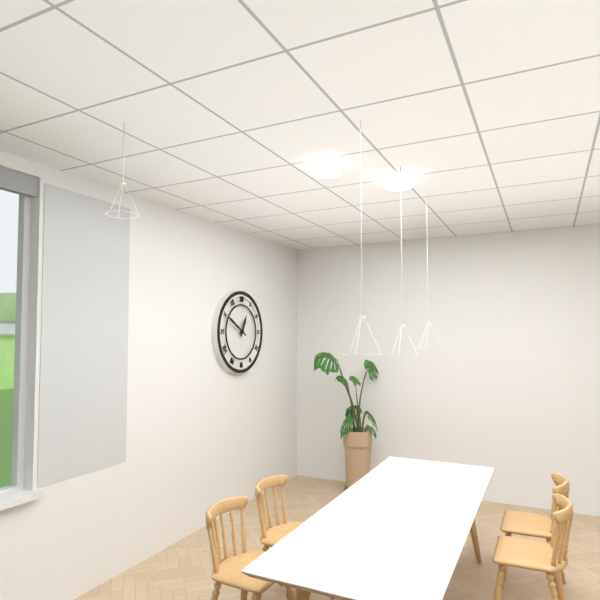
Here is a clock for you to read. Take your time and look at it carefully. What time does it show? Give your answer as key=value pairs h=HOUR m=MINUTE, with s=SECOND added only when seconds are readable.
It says h=12 m=50
